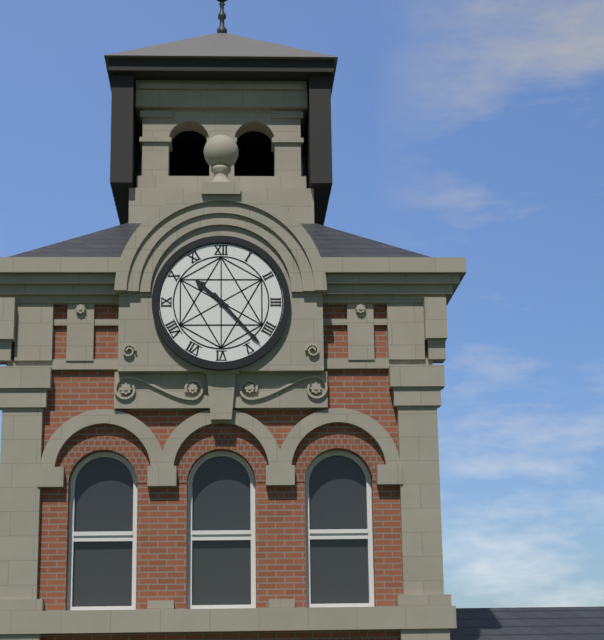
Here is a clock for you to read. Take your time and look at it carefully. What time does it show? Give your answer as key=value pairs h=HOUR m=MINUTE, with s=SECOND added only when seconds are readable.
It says h=10 m=23
